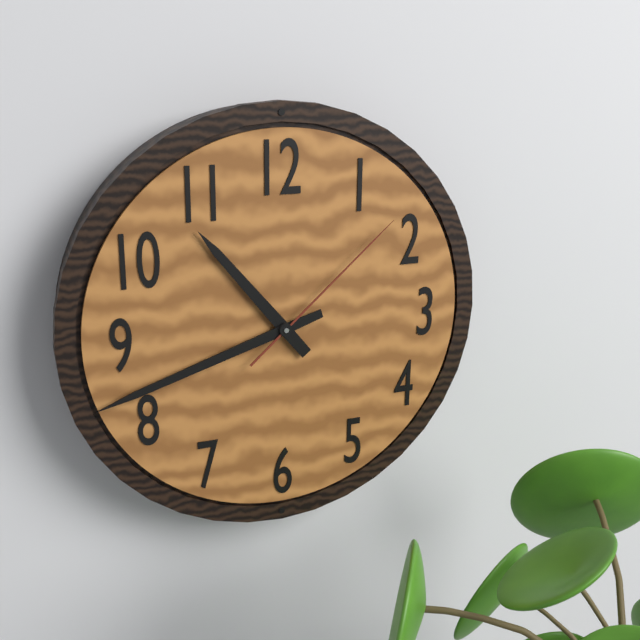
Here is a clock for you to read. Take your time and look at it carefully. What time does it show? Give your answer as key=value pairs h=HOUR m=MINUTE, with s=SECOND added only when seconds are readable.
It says h=10 m=42 s=8
